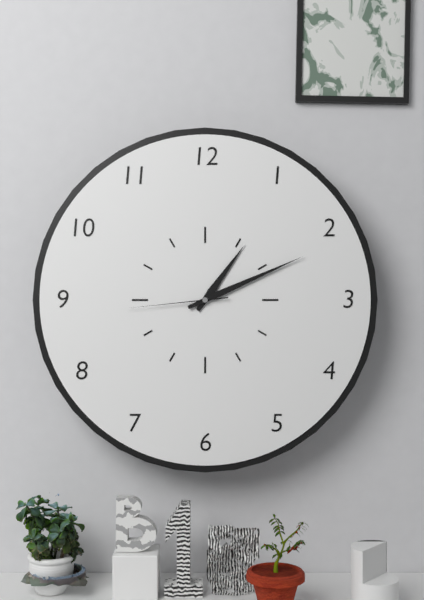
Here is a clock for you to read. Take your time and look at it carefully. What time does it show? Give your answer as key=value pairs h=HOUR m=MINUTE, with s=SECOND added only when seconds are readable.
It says h=1 m=11 s=44
